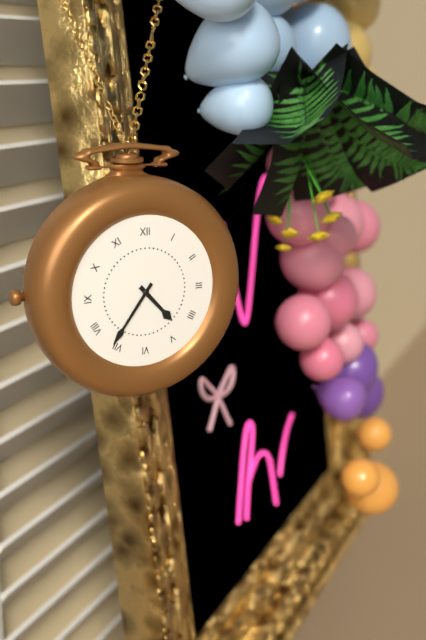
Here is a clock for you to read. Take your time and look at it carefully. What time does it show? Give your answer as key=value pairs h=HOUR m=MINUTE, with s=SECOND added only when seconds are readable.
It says h=4 m=36
